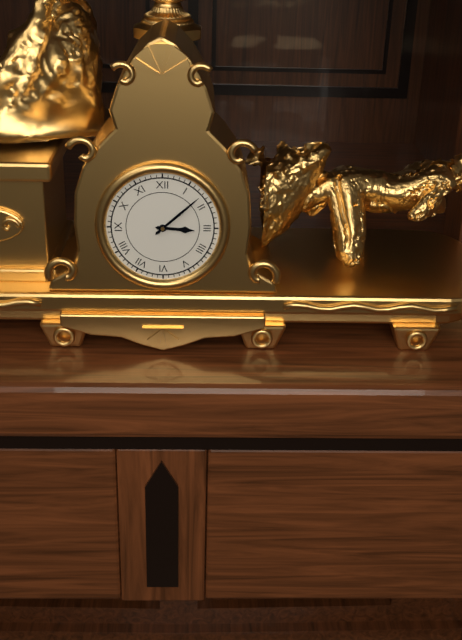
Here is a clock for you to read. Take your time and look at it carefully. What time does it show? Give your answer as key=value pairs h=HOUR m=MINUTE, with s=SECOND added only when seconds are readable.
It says h=3 m=8
